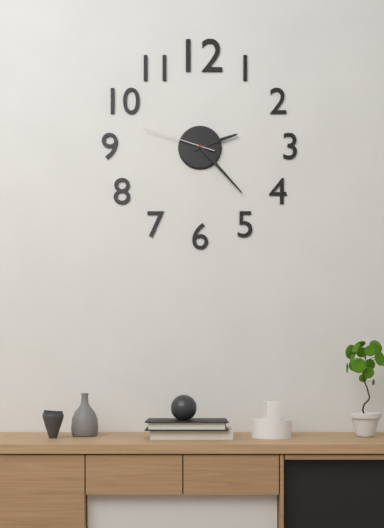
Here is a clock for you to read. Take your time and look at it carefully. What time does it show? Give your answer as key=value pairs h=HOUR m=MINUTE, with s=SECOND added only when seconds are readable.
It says h=2 m=23 s=48
